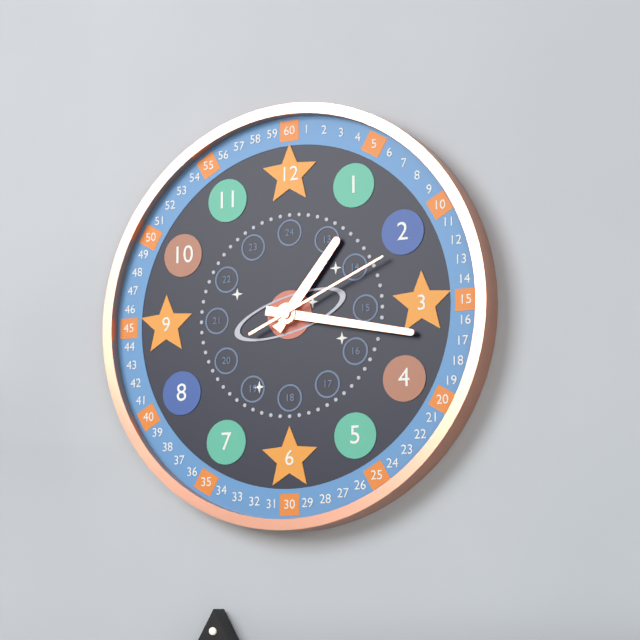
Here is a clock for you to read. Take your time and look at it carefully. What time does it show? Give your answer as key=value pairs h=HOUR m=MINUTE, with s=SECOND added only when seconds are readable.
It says h=1 m=17 s=11
